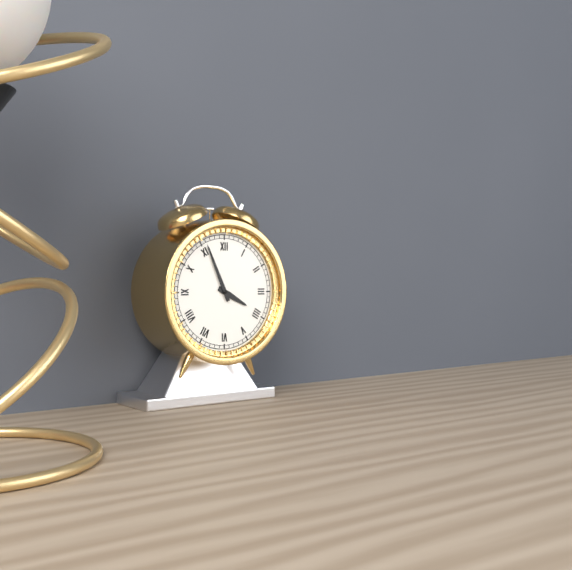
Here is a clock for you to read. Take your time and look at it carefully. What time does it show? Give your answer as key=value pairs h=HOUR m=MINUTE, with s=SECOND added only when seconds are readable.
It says h=3 m=56
